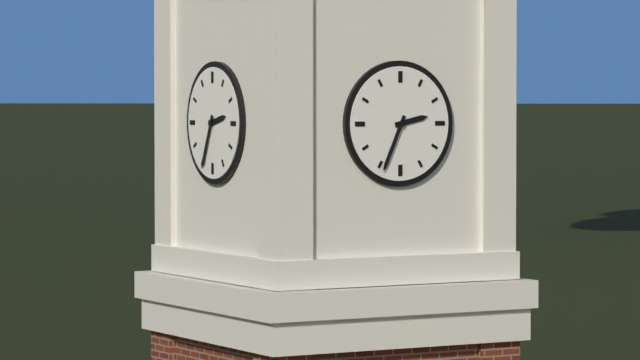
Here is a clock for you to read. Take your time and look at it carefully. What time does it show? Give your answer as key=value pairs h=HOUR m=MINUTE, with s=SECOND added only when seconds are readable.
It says h=2 m=34
